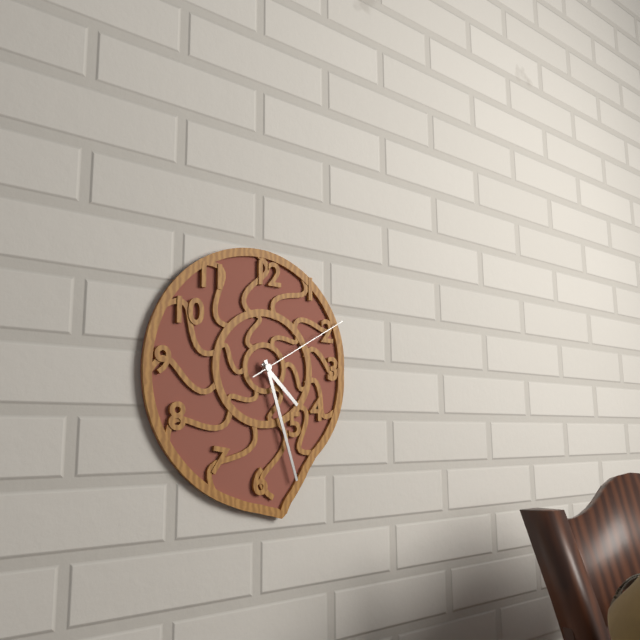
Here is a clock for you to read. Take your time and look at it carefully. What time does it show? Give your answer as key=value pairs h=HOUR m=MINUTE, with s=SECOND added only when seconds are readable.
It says h=4 m=27 s=10
